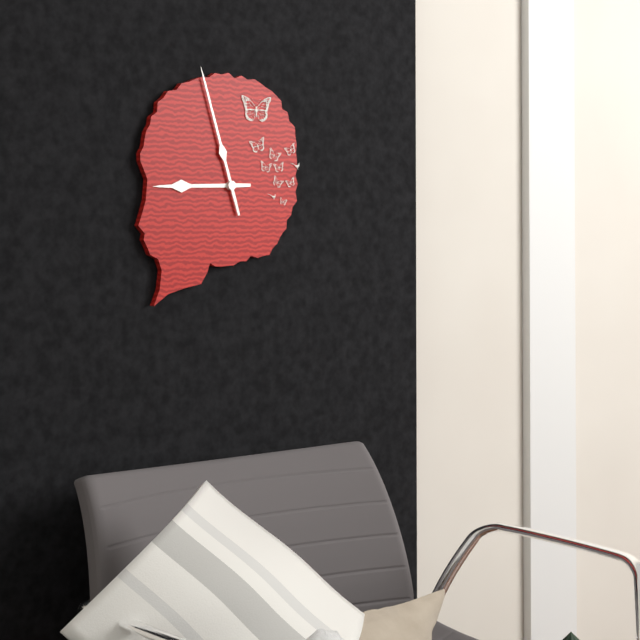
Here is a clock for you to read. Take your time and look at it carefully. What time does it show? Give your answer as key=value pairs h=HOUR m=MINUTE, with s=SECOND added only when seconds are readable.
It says h=8 m=57
